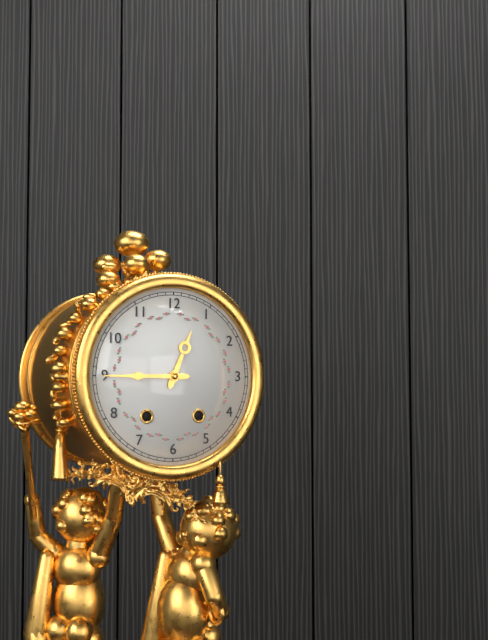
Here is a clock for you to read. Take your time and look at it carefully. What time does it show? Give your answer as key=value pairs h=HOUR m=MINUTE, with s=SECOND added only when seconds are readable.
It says h=12 m=45
